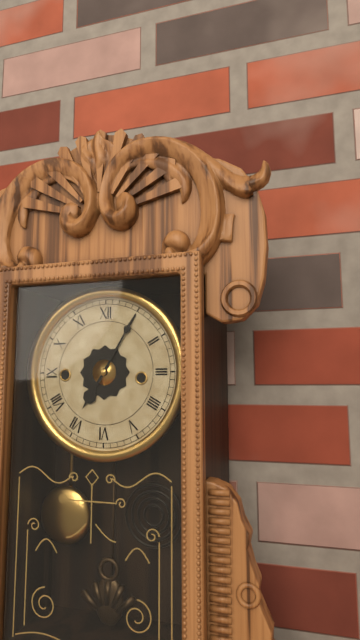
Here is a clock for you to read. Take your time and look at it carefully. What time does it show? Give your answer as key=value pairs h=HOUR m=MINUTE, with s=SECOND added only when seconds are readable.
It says h=7 m=5
